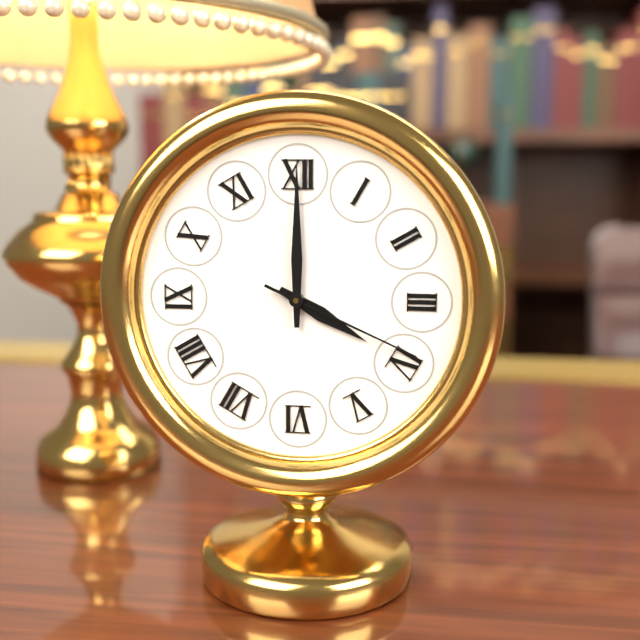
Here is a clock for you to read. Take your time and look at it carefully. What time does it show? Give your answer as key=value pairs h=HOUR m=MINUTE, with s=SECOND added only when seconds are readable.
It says h=4 m=0 s=19
